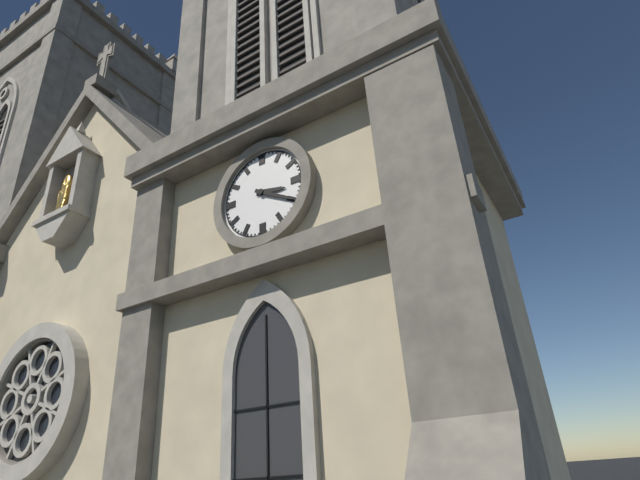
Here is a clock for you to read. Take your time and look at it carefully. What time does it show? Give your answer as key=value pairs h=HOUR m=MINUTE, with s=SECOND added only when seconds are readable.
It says h=3 m=20
